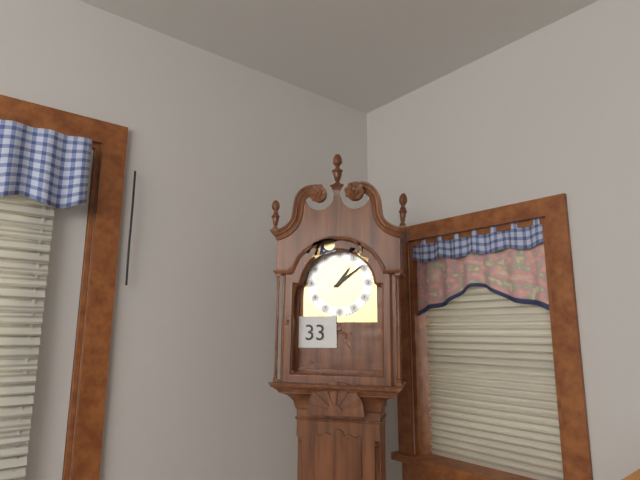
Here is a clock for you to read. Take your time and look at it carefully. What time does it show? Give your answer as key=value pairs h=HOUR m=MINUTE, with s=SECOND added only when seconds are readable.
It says h=1 m=9
